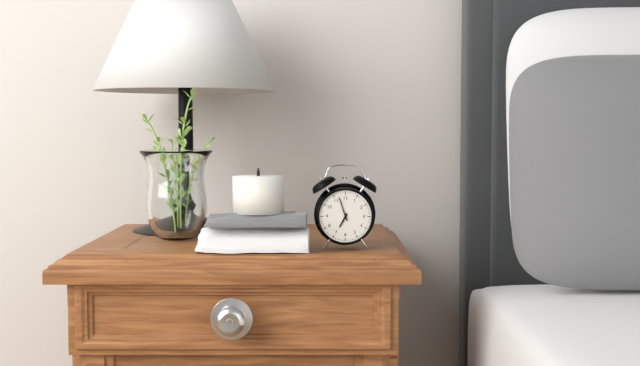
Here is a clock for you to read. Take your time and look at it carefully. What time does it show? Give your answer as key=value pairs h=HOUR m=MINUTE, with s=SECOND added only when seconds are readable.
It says h=6 m=57
